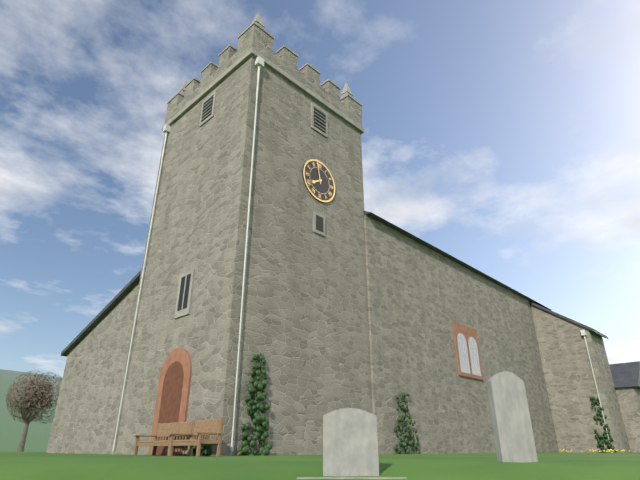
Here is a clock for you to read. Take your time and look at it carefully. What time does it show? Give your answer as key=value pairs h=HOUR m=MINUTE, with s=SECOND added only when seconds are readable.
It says h=7 m=58
